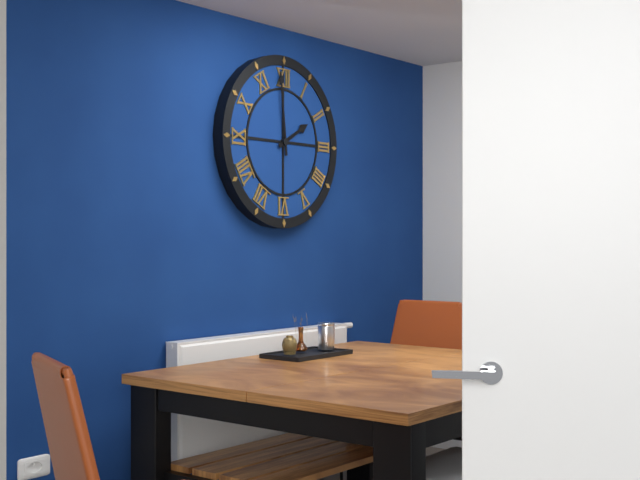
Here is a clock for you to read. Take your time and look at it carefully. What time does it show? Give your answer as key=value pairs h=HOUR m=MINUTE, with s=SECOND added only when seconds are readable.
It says h=1 m=59
